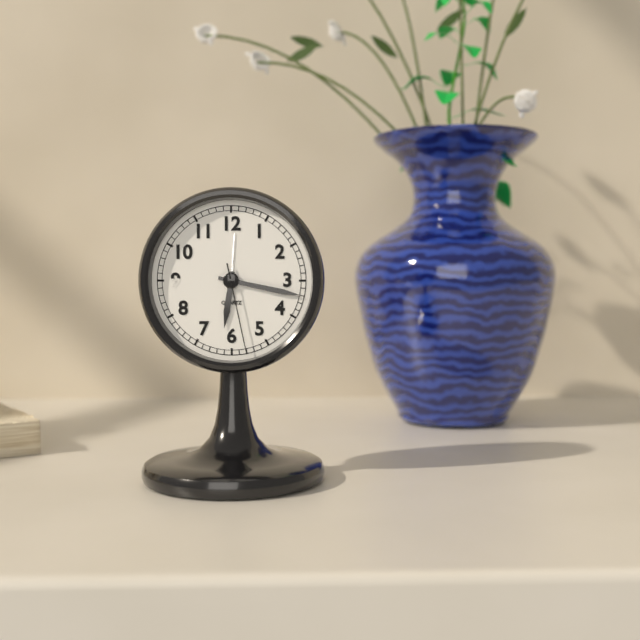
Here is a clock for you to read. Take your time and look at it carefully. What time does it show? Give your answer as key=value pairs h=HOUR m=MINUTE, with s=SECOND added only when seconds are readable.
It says h=6 m=17 s=28
